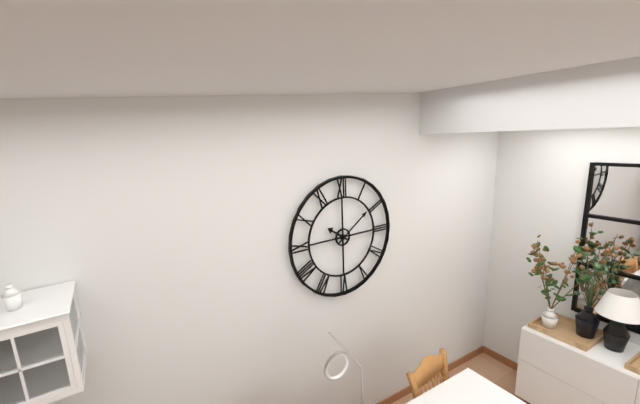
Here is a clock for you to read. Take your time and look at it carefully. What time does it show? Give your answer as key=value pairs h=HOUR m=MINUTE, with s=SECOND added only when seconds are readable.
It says h=10 m=9
